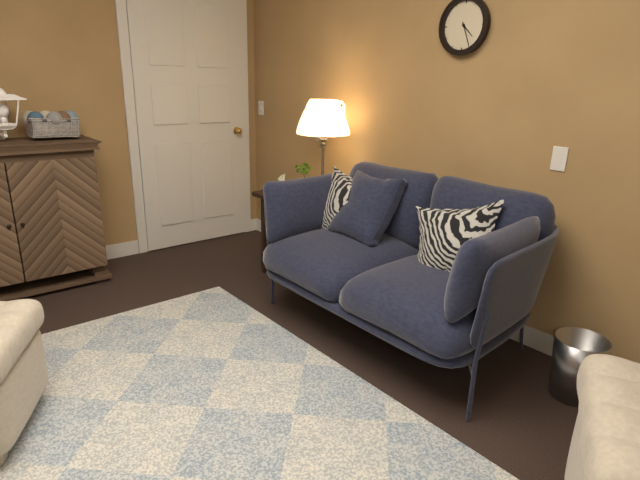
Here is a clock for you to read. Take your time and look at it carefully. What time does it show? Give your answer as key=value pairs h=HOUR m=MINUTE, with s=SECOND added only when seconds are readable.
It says h=4 m=26
